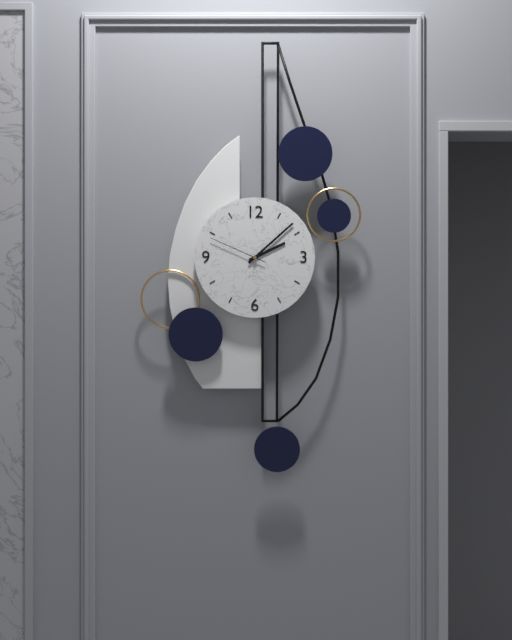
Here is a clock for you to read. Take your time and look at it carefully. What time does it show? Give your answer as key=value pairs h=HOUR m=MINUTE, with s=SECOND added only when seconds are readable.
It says h=2 m=8 s=49
